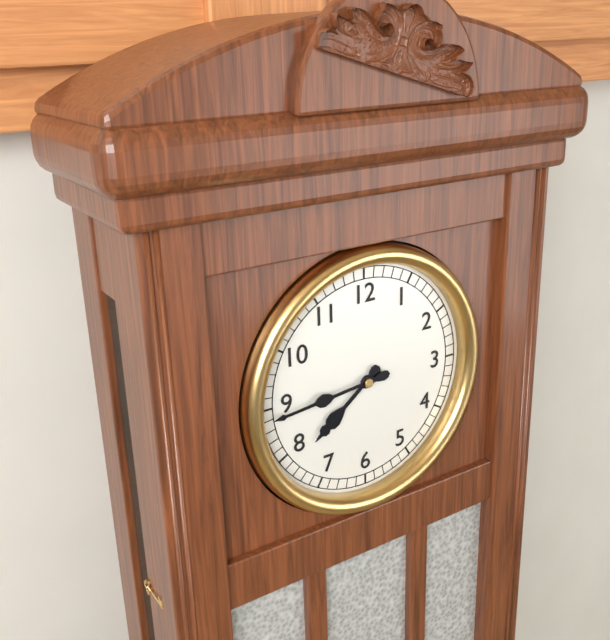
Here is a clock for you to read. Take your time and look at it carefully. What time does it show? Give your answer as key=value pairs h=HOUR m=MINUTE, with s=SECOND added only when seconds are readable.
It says h=7 m=44
